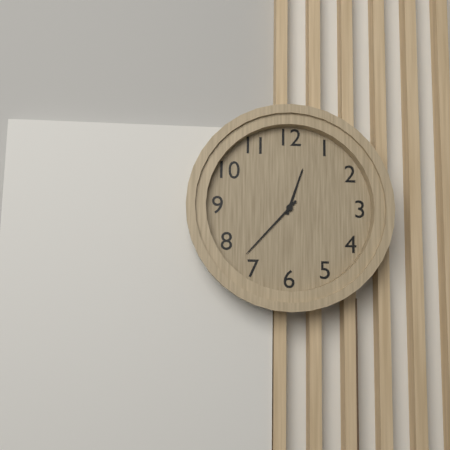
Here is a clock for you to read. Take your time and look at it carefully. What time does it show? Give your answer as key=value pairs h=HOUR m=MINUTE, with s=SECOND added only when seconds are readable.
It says h=12 m=37
